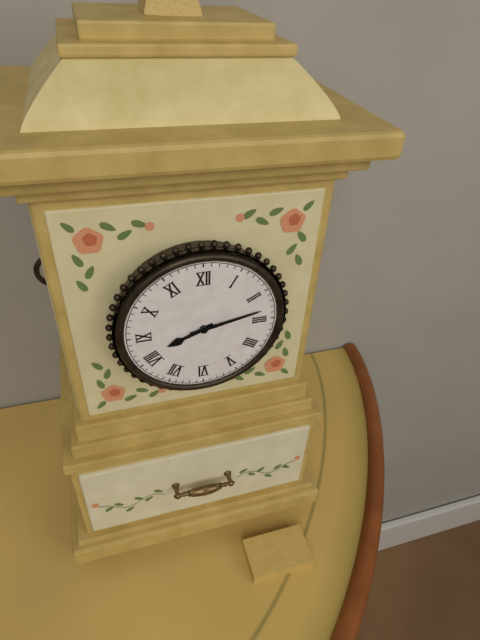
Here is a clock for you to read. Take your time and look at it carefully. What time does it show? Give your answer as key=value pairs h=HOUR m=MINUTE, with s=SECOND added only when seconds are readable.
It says h=8 m=13
